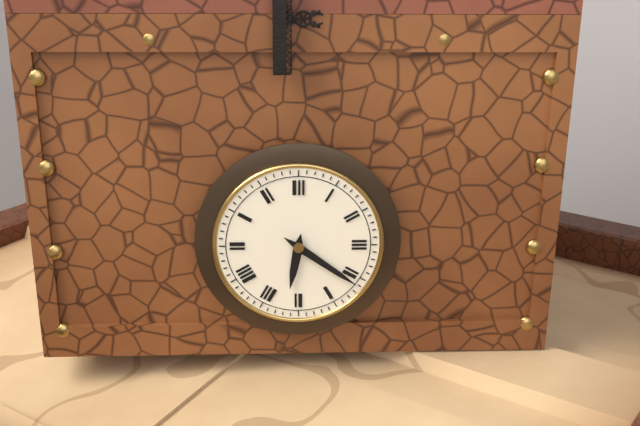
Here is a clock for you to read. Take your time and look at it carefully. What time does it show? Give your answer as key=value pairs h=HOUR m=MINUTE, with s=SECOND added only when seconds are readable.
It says h=6 m=21
